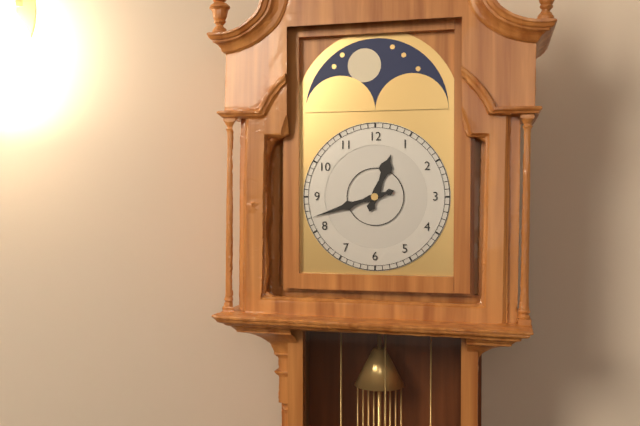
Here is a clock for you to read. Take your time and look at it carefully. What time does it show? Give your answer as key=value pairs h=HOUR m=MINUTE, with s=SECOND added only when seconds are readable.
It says h=12 m=42
